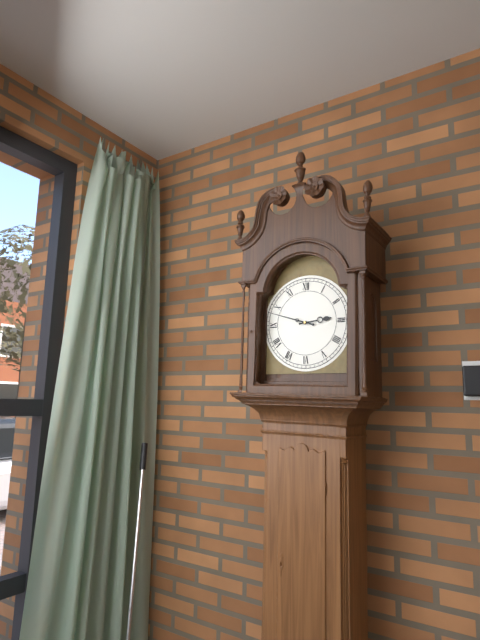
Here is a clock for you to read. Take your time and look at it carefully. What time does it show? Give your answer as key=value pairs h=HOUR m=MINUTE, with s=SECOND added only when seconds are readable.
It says h=2 m=48
